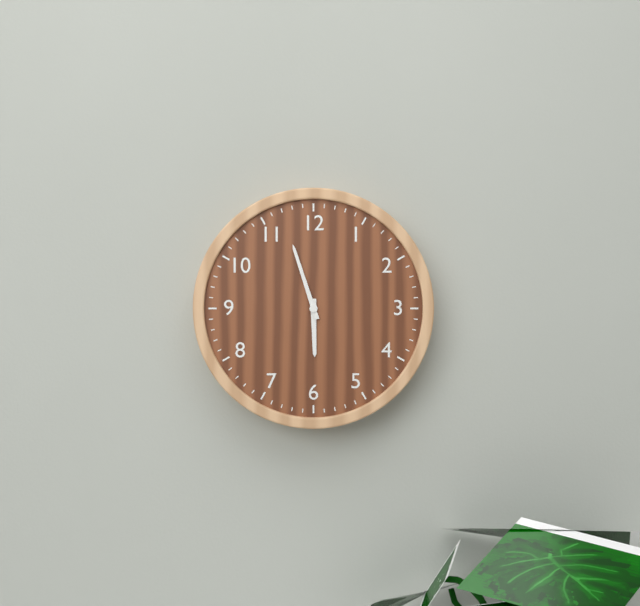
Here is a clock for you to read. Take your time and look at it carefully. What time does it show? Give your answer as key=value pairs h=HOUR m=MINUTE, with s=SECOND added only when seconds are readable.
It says h=5 m=57
